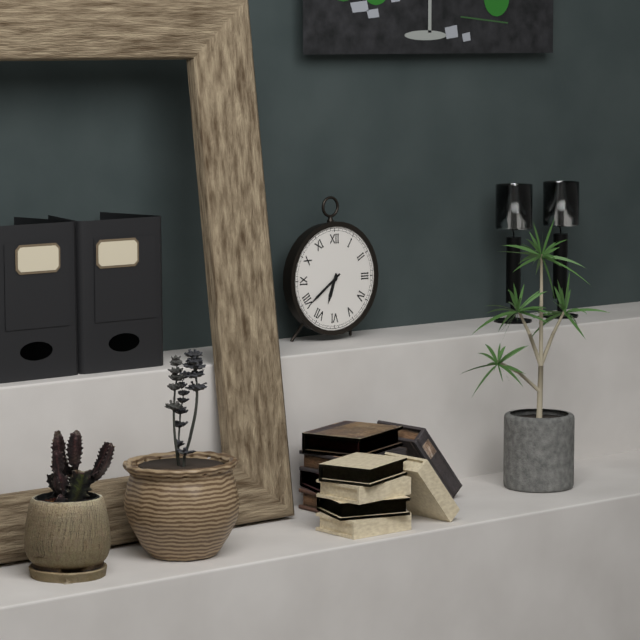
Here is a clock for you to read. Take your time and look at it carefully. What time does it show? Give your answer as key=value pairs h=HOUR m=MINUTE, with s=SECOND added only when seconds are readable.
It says h=6 m=39
